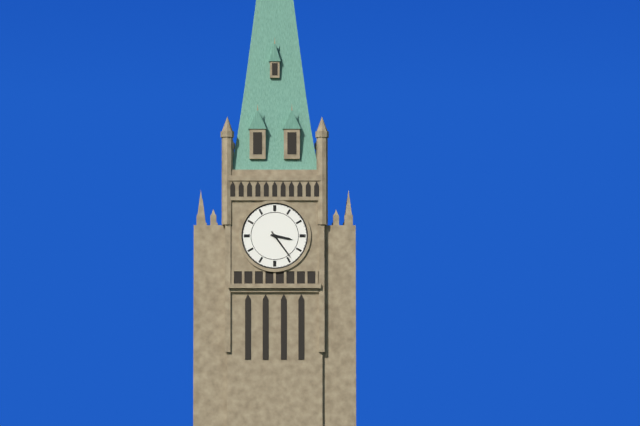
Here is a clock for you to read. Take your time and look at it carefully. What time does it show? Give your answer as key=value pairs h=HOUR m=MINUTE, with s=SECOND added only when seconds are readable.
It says h=3 m=24
